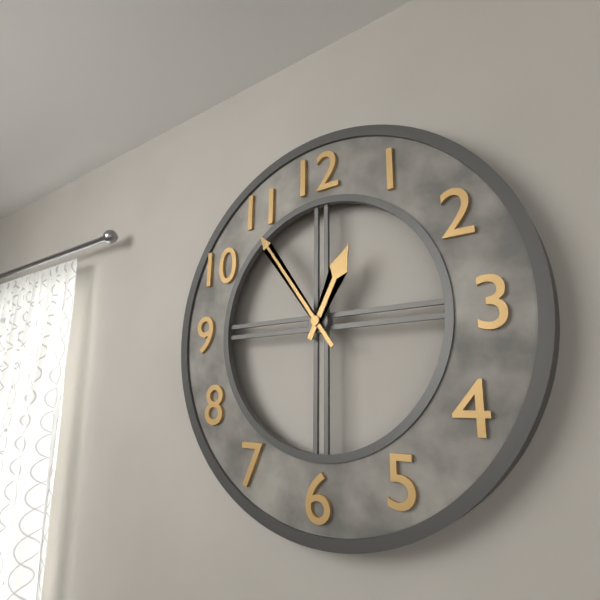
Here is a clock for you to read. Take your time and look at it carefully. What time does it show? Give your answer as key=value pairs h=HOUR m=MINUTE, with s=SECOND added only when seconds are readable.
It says h=12 m=54
